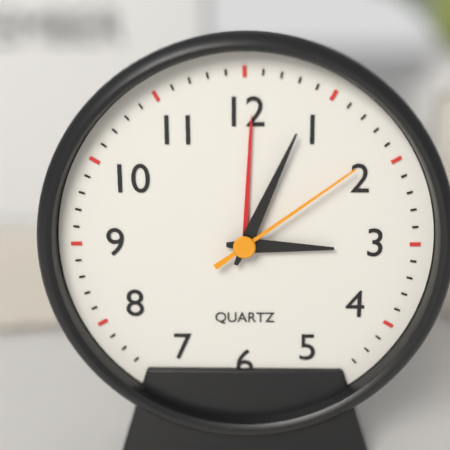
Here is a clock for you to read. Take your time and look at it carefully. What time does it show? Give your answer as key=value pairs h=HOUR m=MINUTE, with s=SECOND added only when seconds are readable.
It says h=3 m=4 s=9
